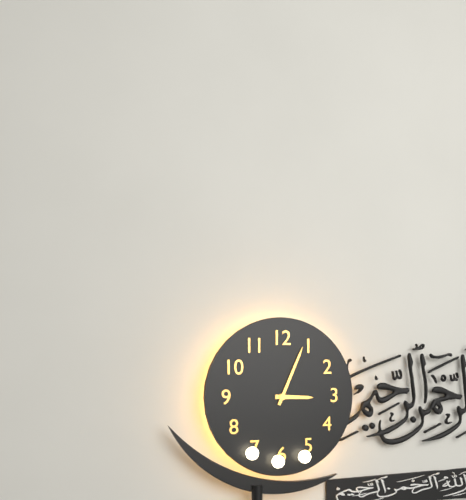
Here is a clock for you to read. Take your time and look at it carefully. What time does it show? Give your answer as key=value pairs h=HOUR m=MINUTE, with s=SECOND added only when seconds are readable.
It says h=3 m=4
